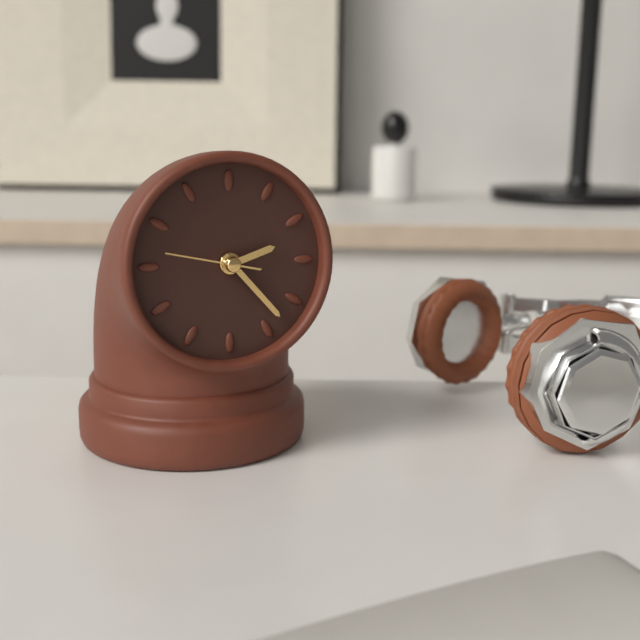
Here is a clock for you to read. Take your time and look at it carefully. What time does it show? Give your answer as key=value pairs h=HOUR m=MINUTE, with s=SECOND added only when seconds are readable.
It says h=2 m=23 s=47
